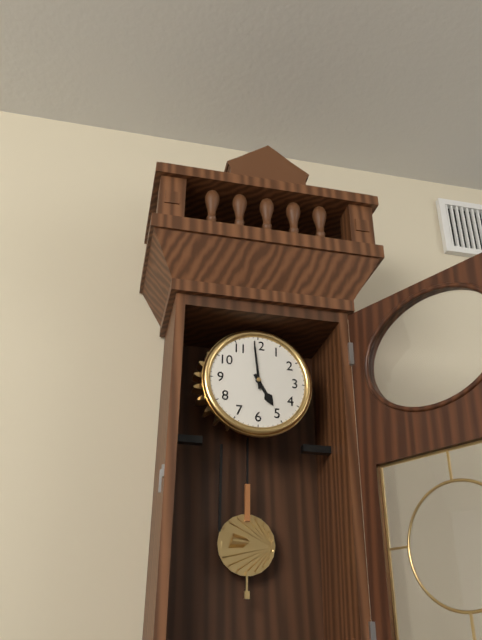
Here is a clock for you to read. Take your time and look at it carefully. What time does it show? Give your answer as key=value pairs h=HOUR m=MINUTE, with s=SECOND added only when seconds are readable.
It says h=4 m=59
